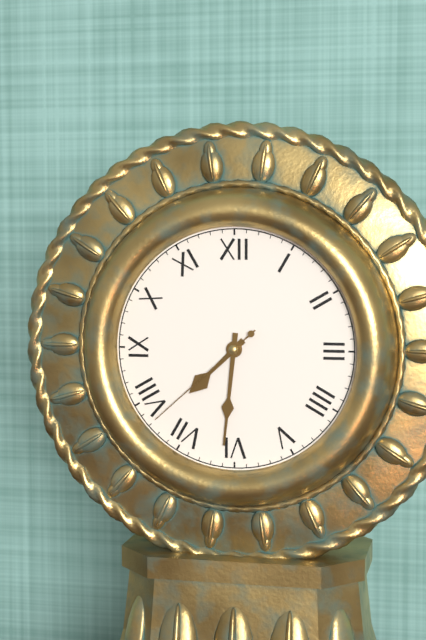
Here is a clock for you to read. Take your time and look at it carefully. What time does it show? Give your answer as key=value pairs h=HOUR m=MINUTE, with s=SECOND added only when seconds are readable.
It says h=7 m=31 s=38
